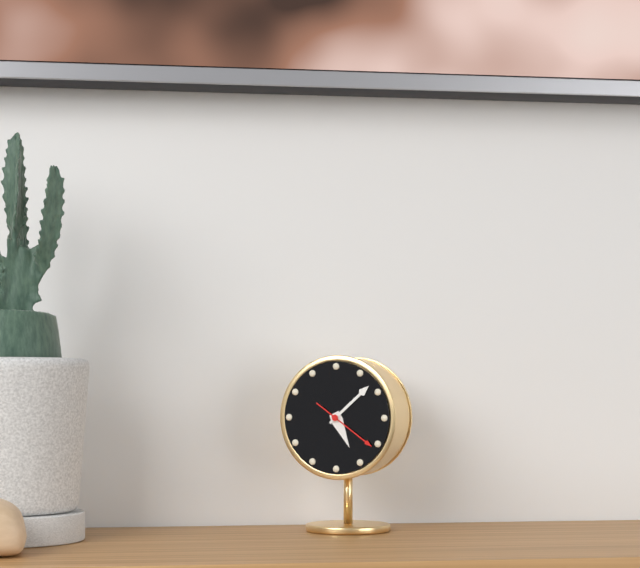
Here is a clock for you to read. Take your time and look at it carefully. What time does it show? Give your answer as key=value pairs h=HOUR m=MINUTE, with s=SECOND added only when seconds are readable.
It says h=5 m=8 s=21
